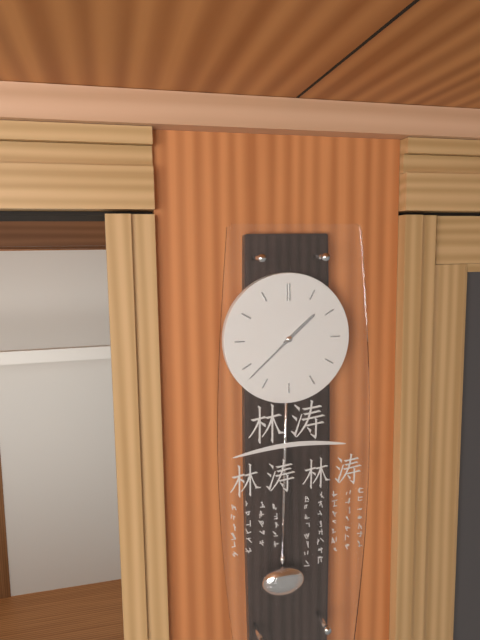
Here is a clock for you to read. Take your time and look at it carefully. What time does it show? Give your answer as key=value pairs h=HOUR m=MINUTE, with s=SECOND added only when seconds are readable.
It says h=1 m=38
